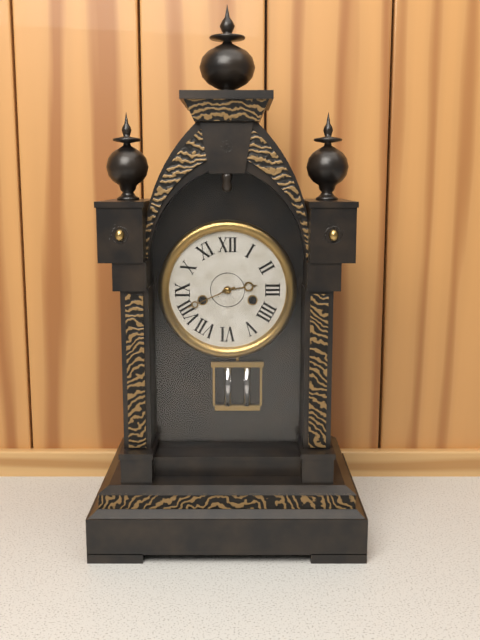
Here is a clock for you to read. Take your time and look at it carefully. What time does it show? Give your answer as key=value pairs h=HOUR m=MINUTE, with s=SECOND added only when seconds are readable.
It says h=2 m=41
